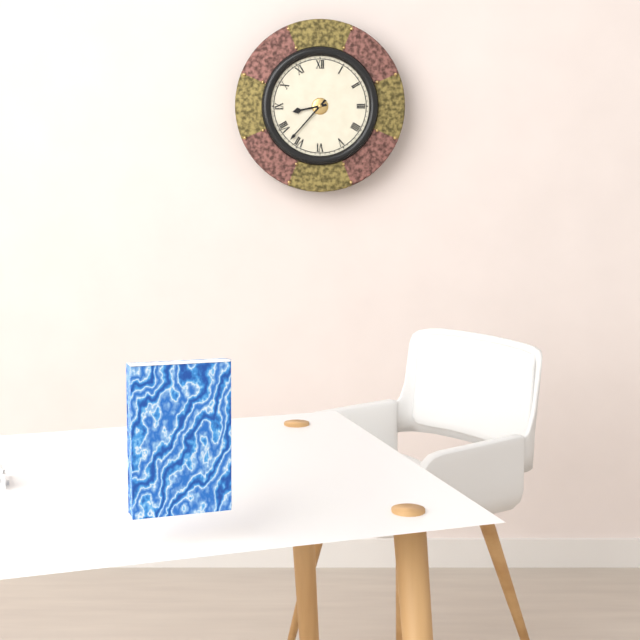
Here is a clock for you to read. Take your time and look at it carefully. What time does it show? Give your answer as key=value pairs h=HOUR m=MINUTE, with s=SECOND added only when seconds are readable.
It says h=8 m=37
